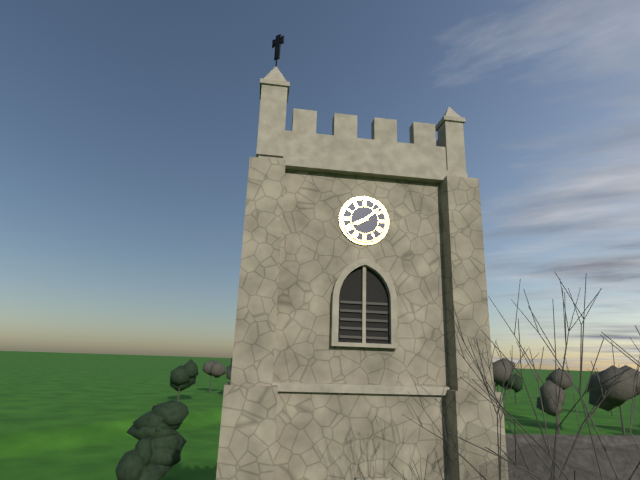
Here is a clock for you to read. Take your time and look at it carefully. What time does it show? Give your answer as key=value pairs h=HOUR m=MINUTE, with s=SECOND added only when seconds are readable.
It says h=8 m=8
